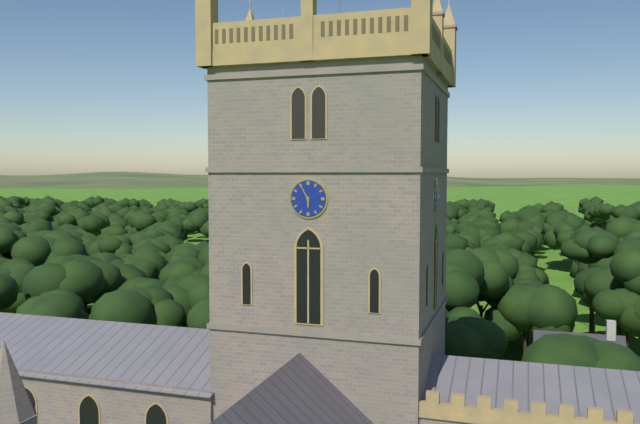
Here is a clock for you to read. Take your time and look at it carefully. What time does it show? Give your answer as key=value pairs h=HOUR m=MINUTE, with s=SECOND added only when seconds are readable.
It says h=5 m=55
